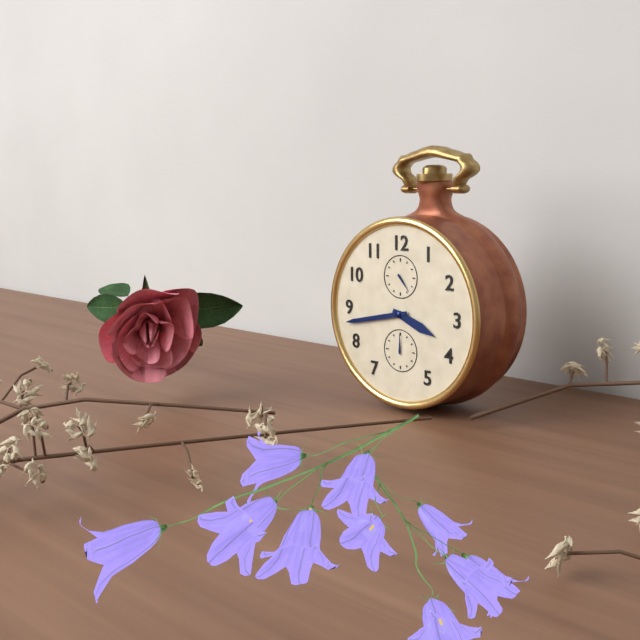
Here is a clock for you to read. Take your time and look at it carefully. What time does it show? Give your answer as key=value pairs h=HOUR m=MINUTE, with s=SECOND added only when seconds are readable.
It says h=3 m=43
